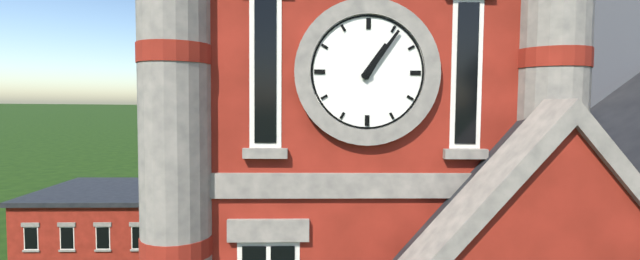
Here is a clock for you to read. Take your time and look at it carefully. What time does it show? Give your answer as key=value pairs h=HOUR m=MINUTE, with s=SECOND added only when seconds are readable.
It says h=1 m=6
